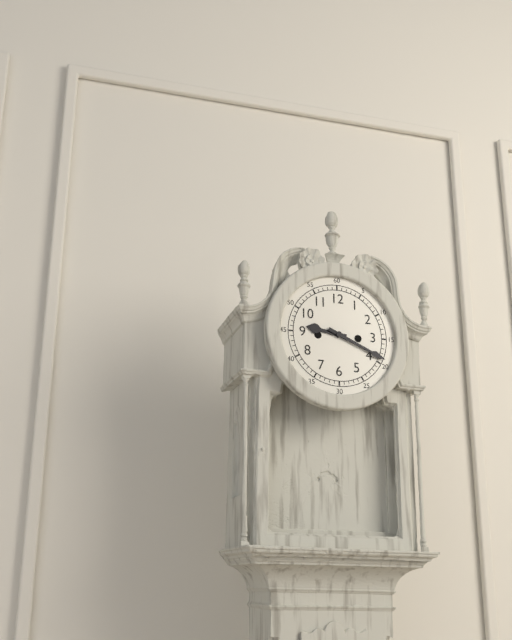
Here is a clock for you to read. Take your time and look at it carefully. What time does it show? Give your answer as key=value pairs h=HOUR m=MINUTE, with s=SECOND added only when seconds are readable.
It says h=9 m=19
